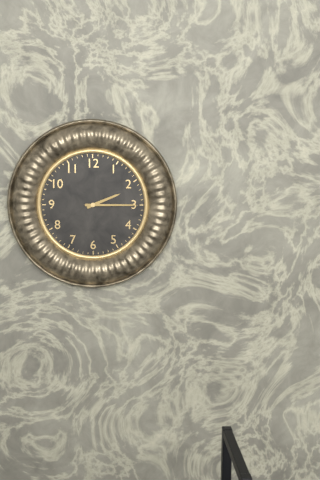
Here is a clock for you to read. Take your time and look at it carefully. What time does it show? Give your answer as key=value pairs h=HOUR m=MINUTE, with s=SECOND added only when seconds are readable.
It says h=2 m=15
